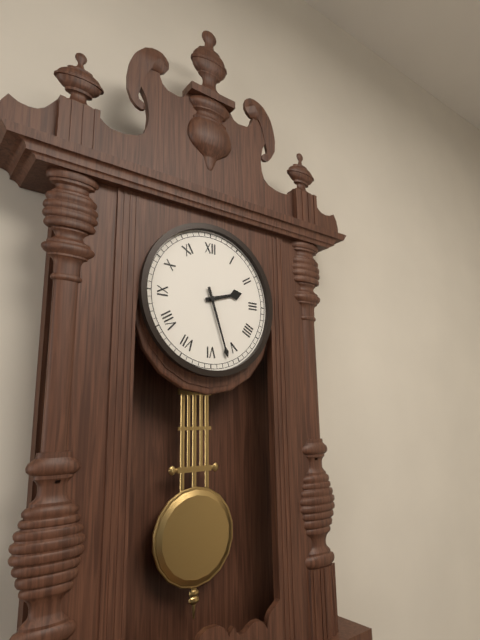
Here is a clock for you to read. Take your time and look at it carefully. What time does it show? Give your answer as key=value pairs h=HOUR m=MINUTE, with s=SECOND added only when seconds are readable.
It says h=2 m=27
